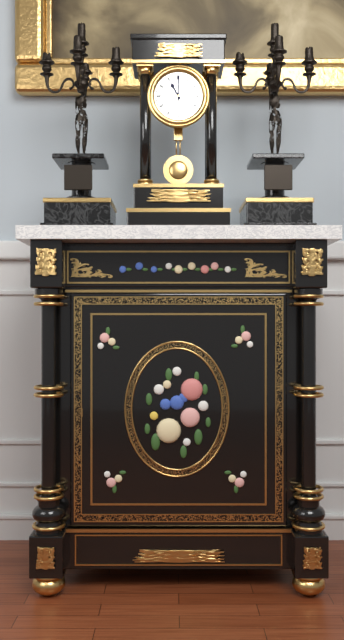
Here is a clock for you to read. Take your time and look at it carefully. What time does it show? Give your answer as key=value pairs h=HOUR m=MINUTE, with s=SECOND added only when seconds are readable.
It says h=11 m=0
